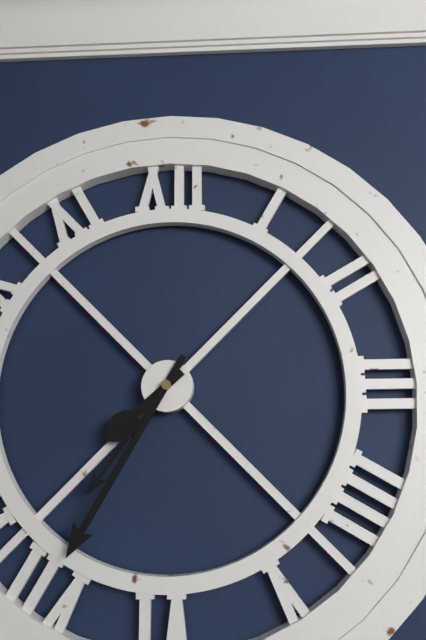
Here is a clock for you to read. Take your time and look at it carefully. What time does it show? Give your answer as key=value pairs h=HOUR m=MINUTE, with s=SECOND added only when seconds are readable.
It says h=7 m=35 s=36
